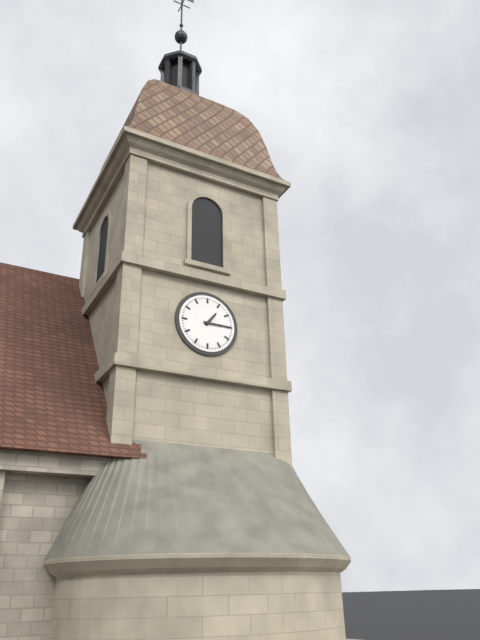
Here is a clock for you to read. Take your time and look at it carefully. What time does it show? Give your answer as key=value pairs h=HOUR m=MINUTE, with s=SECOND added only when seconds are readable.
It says h=1 m=15
